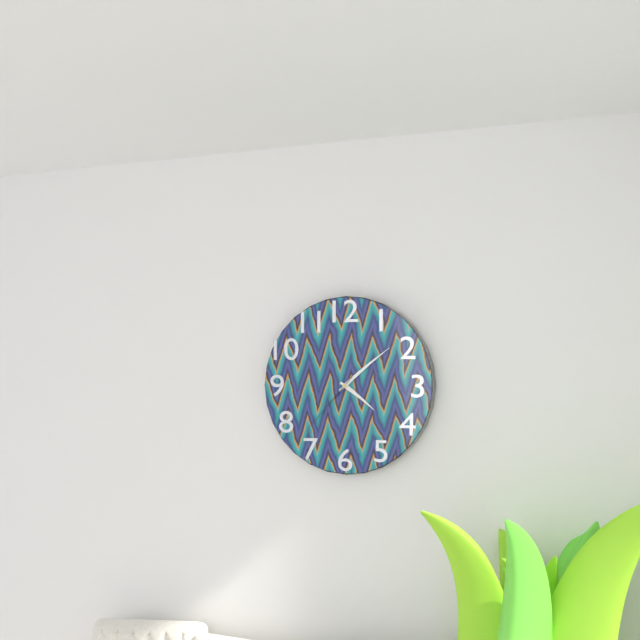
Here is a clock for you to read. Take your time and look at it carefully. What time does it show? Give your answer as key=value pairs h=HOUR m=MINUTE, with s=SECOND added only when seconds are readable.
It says h=4 m=8 s=37
